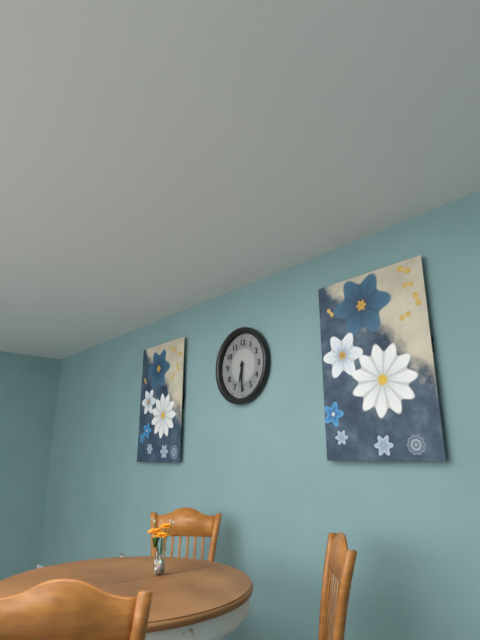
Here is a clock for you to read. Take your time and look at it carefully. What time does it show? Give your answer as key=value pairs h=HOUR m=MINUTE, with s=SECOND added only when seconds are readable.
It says h=6 m=30
